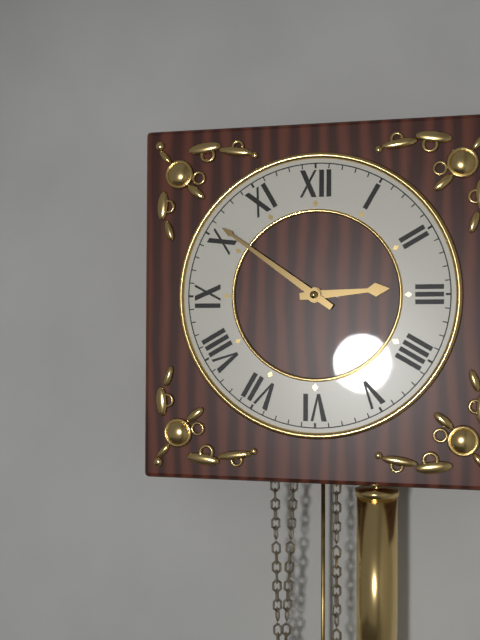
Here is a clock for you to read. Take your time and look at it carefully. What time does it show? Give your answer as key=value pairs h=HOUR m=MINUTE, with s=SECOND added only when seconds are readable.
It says h=2 m=51
